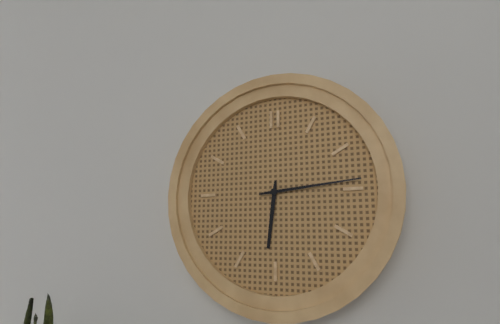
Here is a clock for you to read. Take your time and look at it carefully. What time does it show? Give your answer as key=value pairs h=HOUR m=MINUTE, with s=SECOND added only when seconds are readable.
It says h=6 m=14
